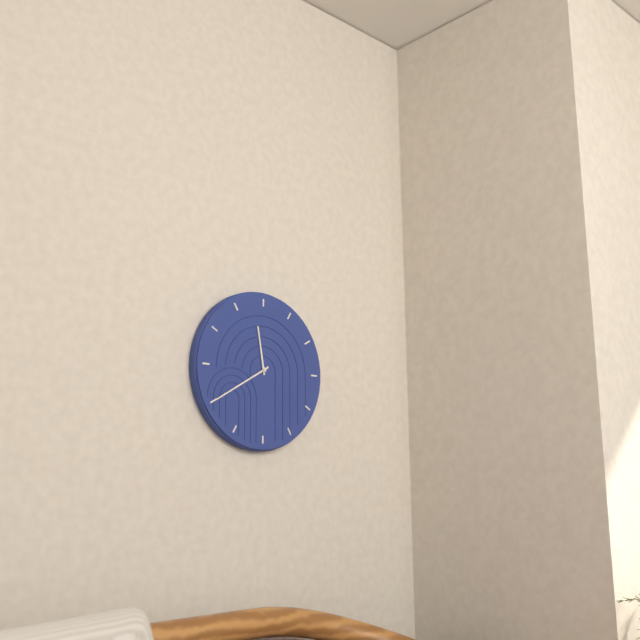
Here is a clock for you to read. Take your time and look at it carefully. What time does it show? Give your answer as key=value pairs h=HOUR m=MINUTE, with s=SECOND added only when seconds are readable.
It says h=11 m=40
